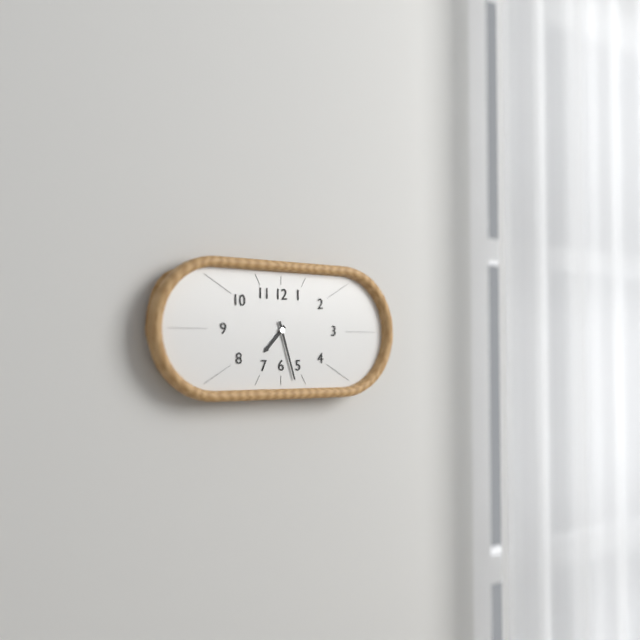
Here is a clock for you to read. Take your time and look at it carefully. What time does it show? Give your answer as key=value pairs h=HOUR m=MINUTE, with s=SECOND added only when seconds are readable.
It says h=7 m=27
